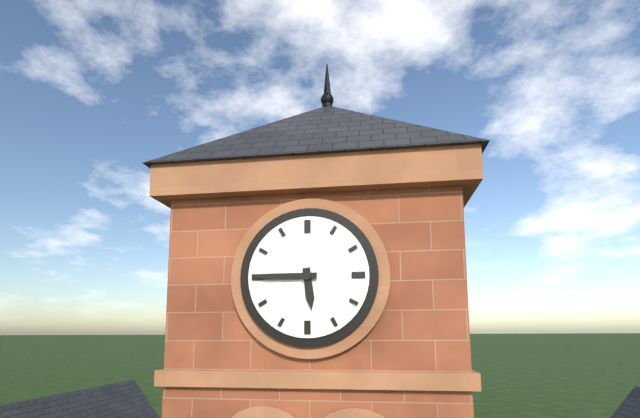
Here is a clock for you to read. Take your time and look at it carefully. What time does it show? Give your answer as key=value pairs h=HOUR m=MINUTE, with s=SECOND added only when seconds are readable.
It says h=5 m=45
